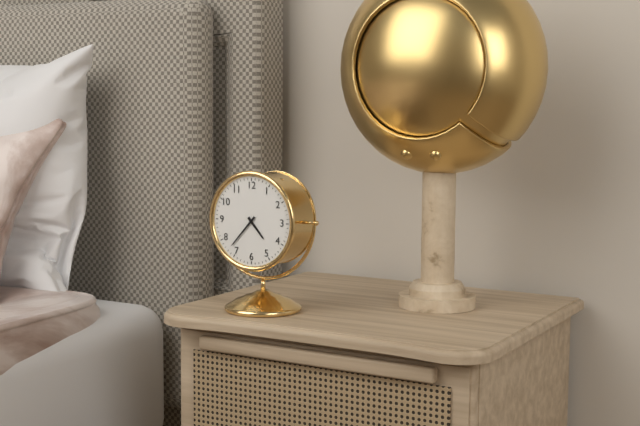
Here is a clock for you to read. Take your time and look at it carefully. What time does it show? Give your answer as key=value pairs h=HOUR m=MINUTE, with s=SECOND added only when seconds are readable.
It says h=4 m=37
